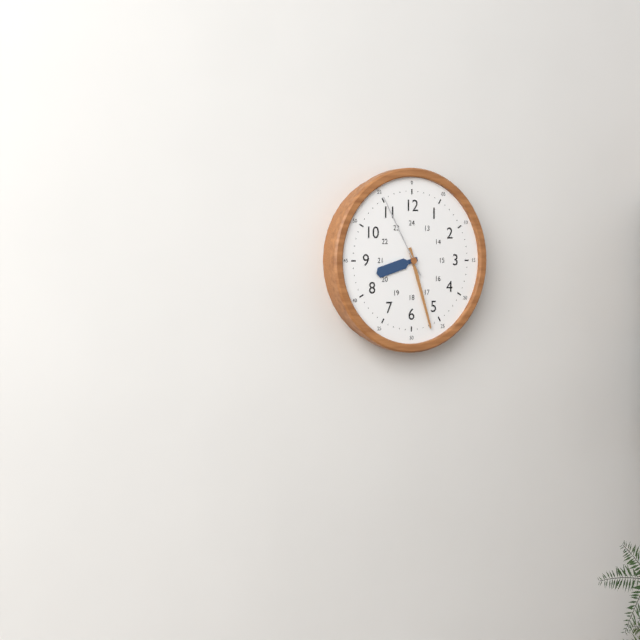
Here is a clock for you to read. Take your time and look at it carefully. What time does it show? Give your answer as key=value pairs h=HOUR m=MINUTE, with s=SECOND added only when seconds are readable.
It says h=8 m=27 s=55
